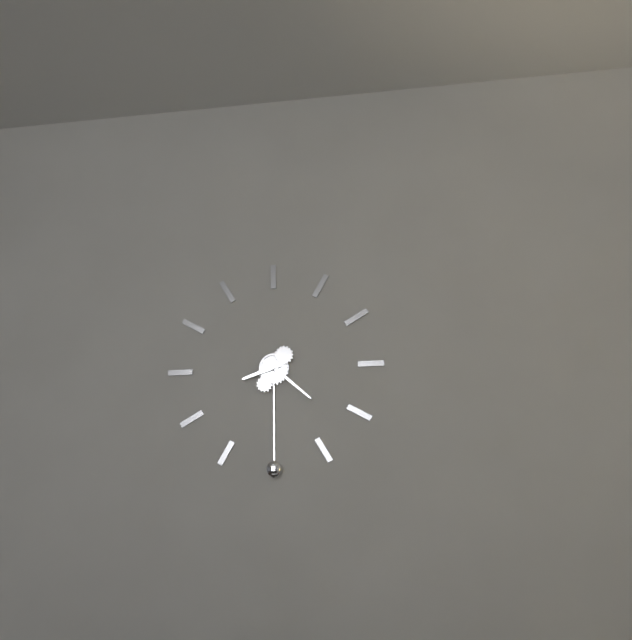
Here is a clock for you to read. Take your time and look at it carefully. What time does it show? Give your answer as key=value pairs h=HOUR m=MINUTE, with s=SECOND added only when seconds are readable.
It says h=8 m=22
